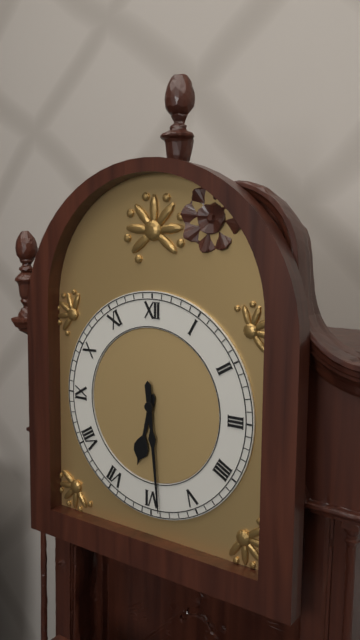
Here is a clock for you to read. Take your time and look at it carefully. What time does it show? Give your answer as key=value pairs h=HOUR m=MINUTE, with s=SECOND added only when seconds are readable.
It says h=6 m=29
